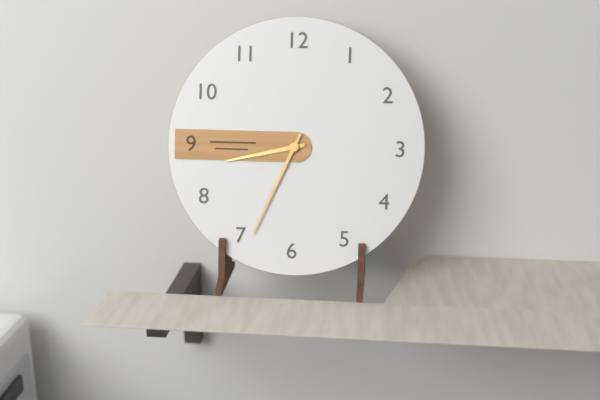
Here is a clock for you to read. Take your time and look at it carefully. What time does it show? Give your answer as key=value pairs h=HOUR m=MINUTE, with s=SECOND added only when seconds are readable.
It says h=8 m=34
